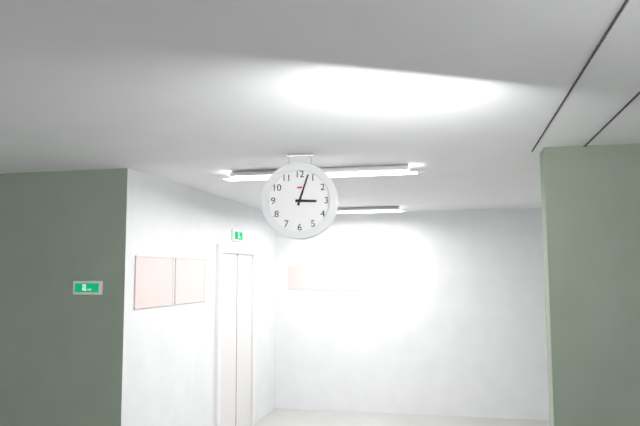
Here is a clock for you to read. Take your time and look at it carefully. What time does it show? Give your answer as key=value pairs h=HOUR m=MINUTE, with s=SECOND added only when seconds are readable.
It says h=3 m=3
